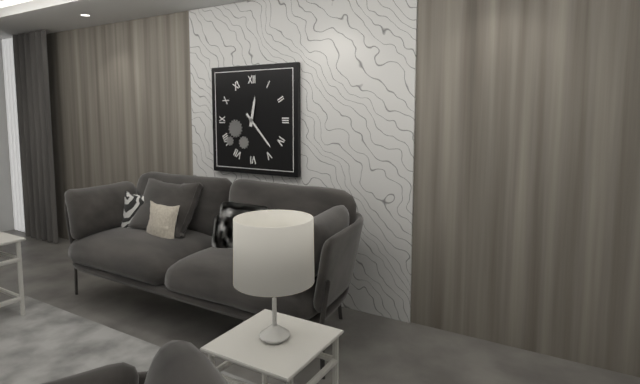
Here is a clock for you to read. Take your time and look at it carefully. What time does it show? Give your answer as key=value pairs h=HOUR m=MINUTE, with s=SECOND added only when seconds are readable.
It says h=12 m=23
